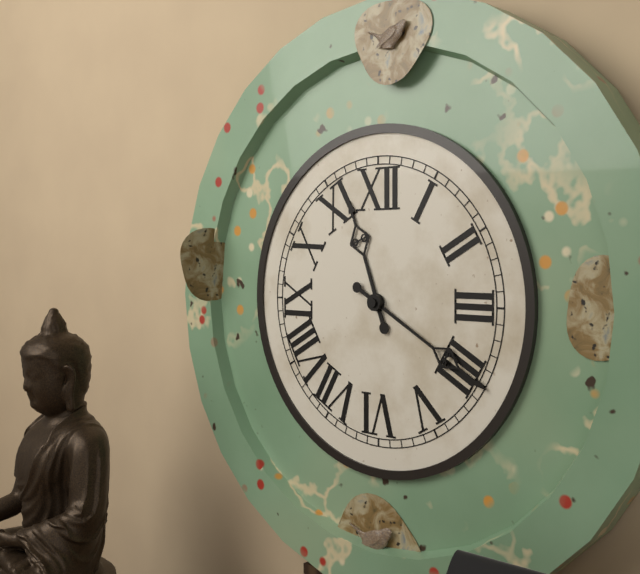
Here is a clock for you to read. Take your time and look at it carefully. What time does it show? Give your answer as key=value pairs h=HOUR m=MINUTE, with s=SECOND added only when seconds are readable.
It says h=11 m=20
